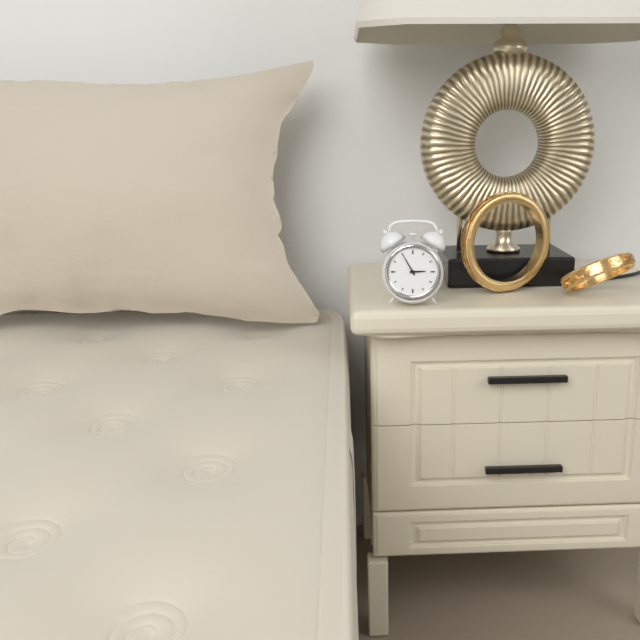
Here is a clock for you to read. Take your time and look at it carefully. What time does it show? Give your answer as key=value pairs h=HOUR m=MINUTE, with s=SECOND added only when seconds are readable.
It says h=2 m=55
